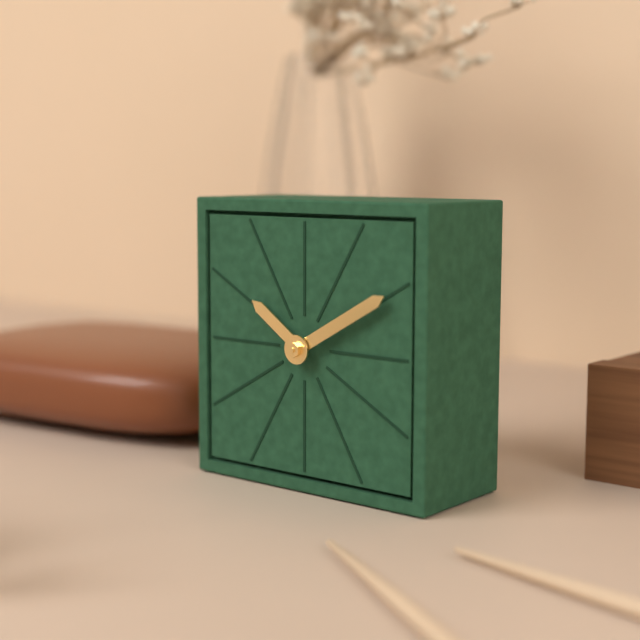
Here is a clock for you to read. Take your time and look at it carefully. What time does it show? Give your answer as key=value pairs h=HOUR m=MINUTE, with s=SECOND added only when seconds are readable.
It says h=10 m=10
